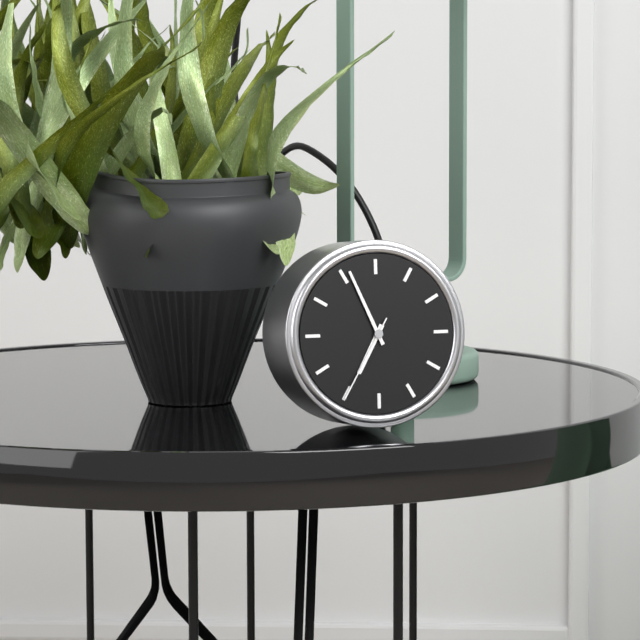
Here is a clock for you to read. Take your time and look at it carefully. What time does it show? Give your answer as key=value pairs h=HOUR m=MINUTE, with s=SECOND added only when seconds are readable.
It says h=6 m=56 s=35
